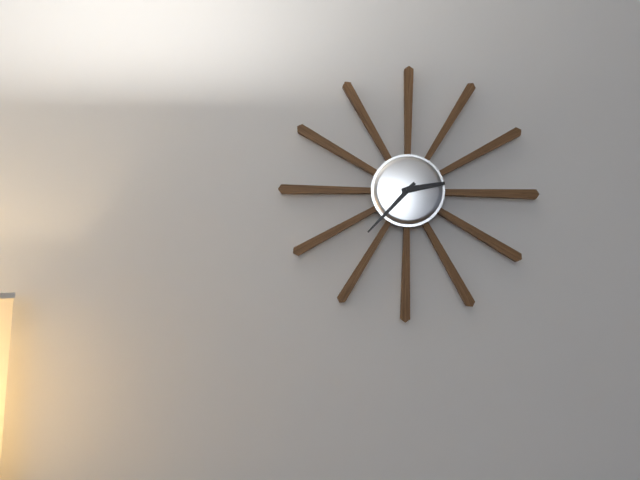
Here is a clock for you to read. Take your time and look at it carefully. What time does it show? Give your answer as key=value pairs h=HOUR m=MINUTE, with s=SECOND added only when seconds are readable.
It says h=2 m=37
